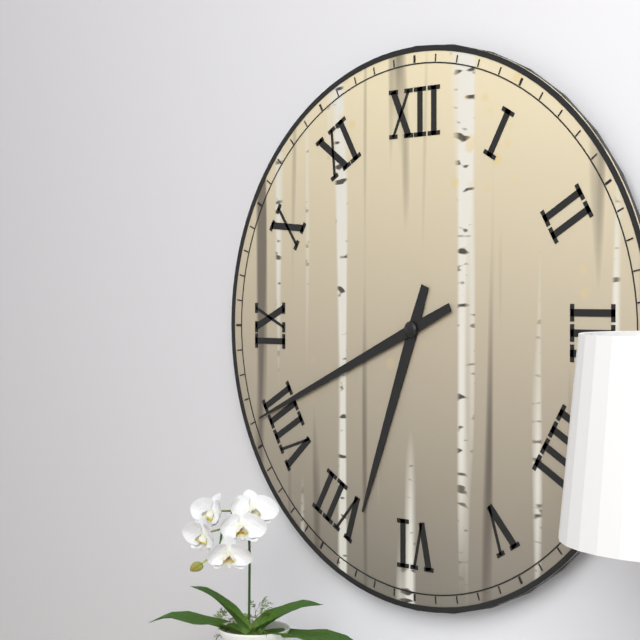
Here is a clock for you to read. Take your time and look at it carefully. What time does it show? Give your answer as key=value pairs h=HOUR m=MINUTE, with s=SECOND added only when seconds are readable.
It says h=6 m=41
